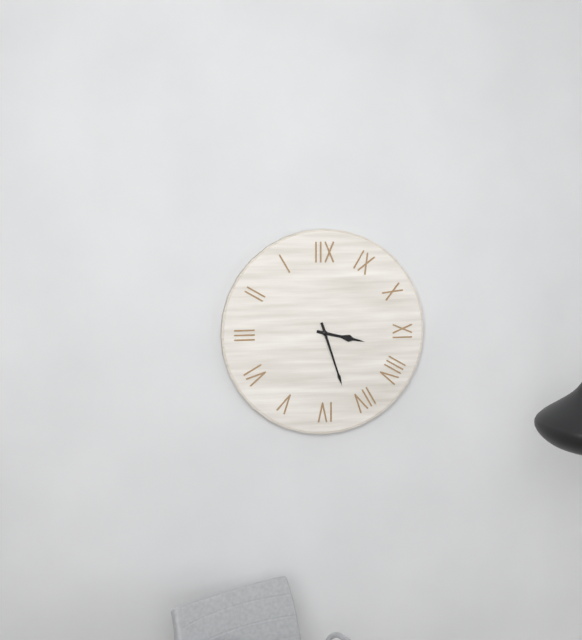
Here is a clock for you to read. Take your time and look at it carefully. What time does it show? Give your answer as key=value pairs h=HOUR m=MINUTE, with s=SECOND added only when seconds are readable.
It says h=3 m=27
